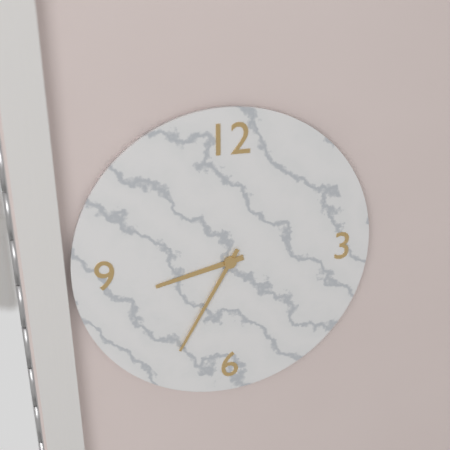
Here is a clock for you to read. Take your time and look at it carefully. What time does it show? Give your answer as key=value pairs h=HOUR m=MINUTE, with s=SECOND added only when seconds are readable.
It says h=8 m=35
